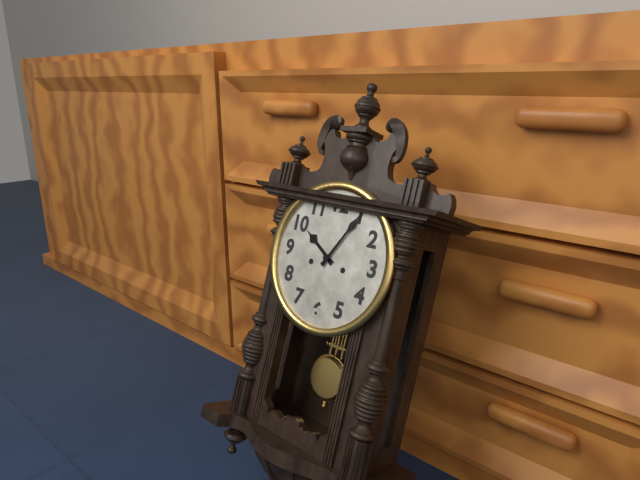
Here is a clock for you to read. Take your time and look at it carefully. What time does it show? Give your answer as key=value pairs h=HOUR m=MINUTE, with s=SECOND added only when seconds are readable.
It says h=10 m=5
